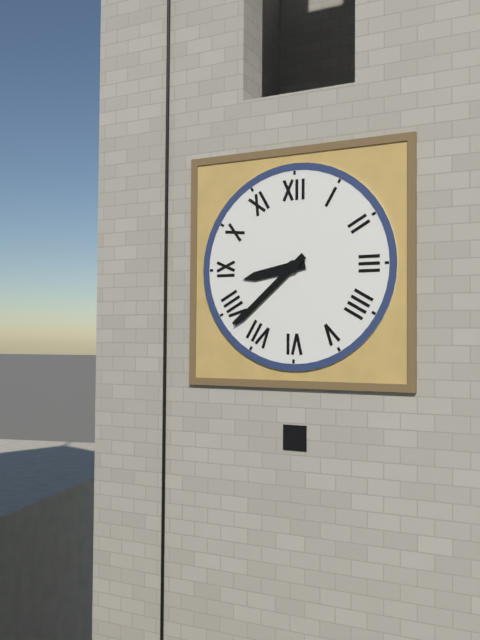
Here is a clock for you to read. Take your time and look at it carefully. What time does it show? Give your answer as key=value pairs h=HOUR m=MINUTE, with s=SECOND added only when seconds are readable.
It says h=8 m=38
